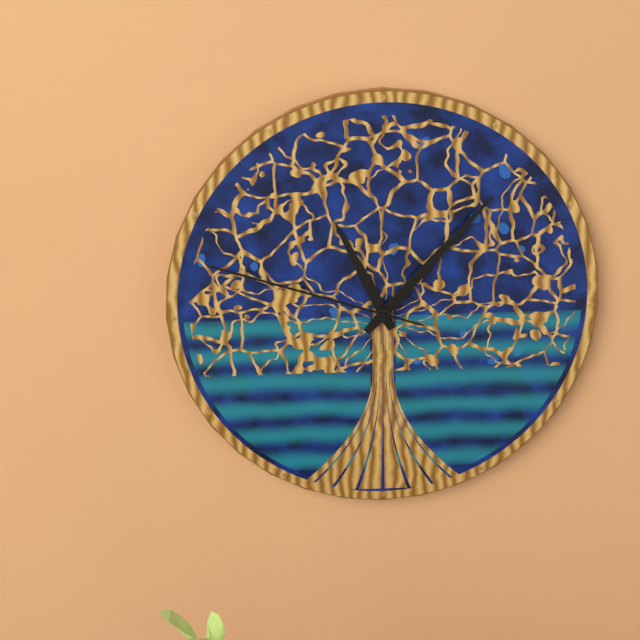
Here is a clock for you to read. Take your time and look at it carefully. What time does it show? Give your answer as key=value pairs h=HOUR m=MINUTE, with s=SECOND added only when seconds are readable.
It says h=11 m=7 s=48
